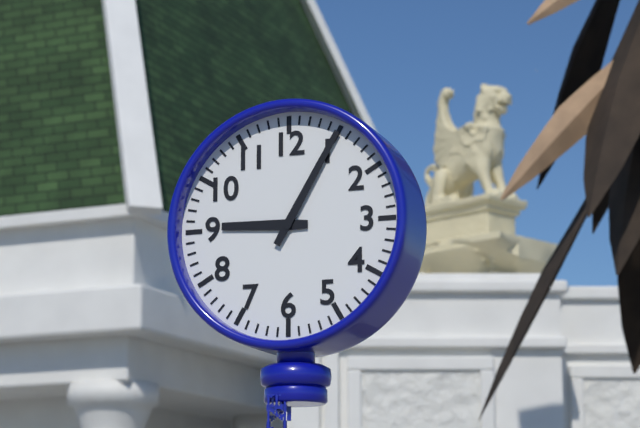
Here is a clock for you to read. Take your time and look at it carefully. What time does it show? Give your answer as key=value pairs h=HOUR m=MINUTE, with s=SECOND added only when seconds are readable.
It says h=9 m=5
